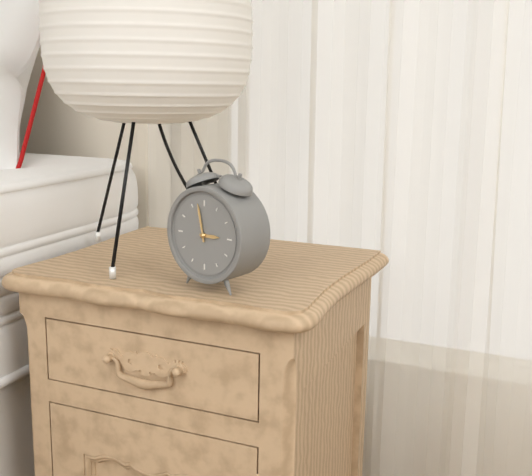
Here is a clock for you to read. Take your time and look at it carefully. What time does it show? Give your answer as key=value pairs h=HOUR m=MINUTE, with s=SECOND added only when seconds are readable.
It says h=2 m=58
